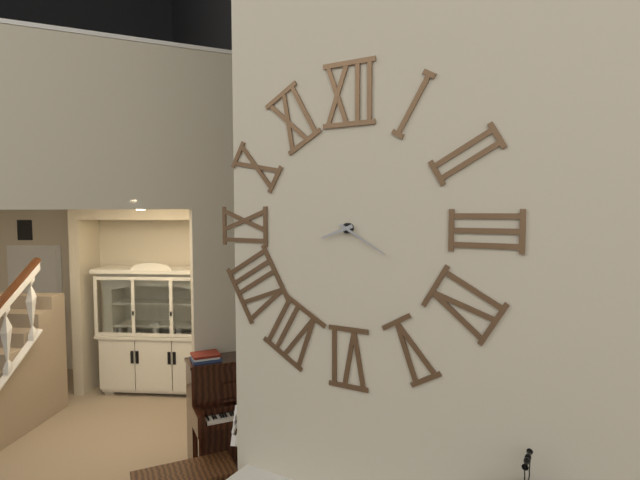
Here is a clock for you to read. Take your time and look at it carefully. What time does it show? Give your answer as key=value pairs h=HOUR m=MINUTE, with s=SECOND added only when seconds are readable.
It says h=8 m=20
